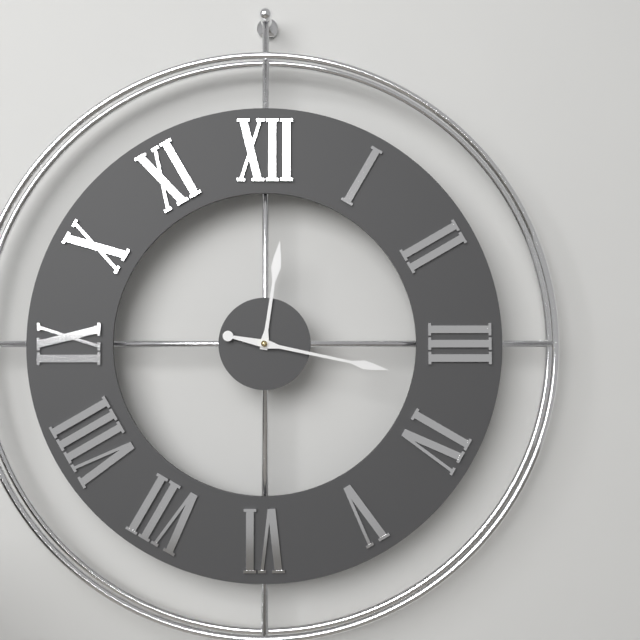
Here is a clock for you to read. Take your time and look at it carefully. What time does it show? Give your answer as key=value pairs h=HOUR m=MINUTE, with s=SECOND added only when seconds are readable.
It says h=12 m=17
